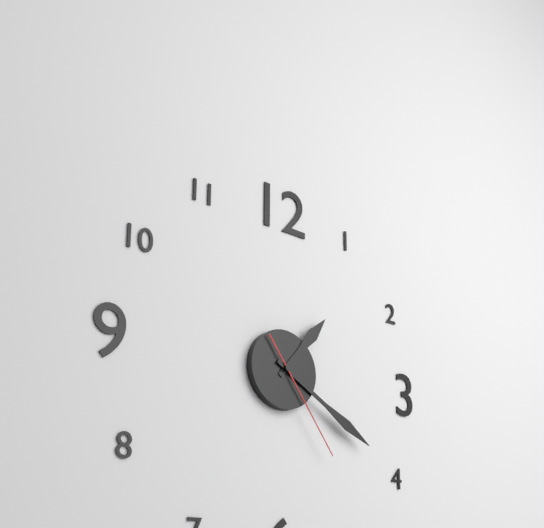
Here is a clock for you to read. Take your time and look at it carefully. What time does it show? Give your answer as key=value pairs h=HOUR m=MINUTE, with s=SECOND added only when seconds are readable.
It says h=1 m=20 s=24
